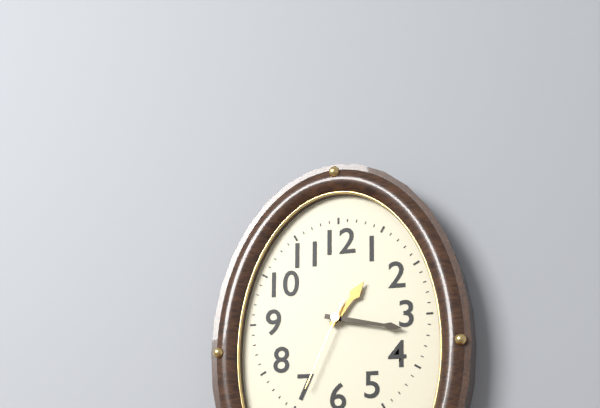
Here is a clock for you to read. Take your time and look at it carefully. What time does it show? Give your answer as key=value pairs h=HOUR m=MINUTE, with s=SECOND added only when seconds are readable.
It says h=1 m=17 s=34
